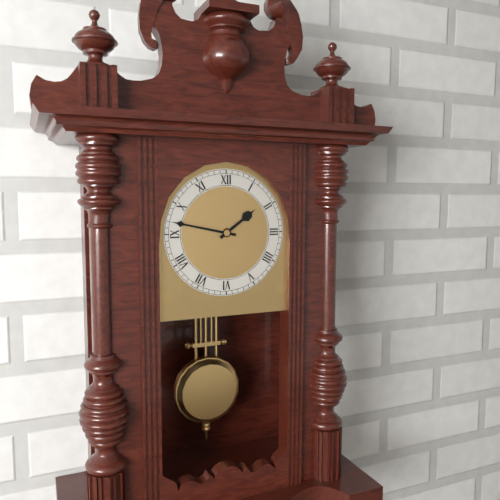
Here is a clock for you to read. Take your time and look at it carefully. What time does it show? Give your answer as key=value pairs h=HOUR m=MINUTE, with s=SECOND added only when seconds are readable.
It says h=1 m=47
